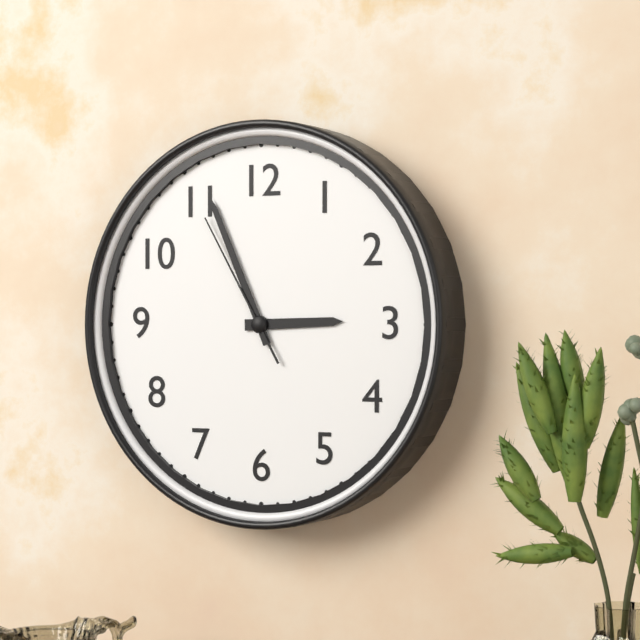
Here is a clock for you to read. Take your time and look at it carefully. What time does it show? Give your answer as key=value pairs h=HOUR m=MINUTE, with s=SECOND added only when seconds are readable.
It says h=2 m=56 s=55
